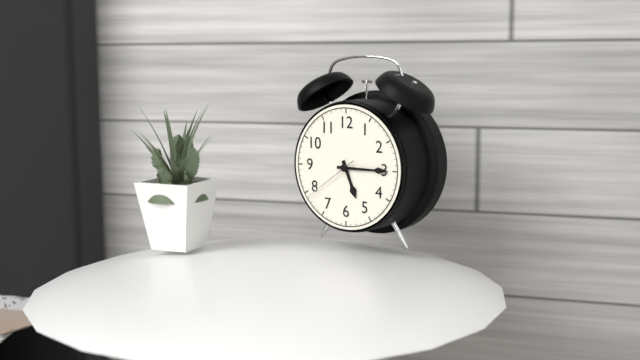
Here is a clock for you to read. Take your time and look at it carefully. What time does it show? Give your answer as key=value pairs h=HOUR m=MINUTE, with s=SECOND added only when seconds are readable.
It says h=5 m=15 s=39
